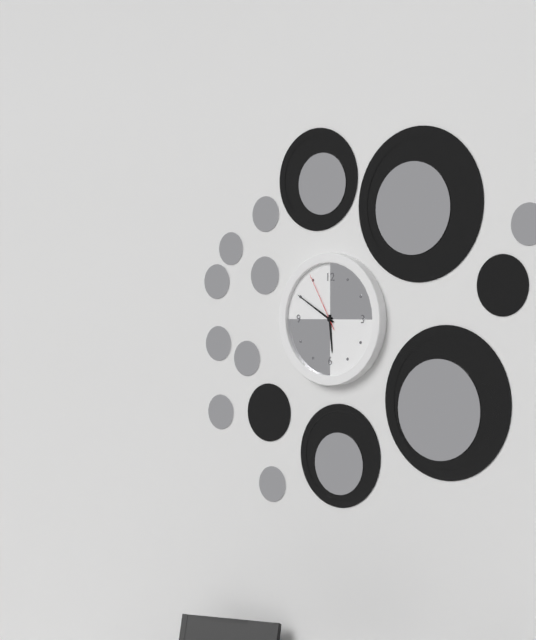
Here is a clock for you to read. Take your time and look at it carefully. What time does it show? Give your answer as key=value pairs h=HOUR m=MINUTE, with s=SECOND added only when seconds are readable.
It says h=5 m=50 s=55
